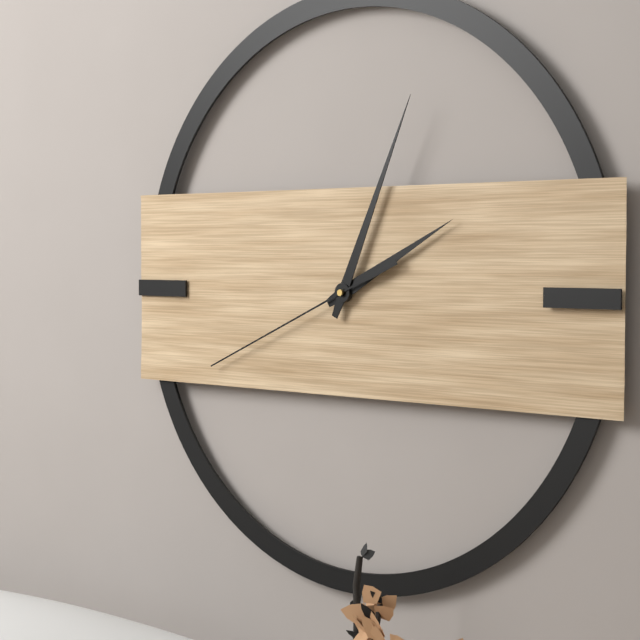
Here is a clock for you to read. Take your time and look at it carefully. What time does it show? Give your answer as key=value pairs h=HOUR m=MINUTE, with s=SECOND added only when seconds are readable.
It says h=2 m=4 s=41
